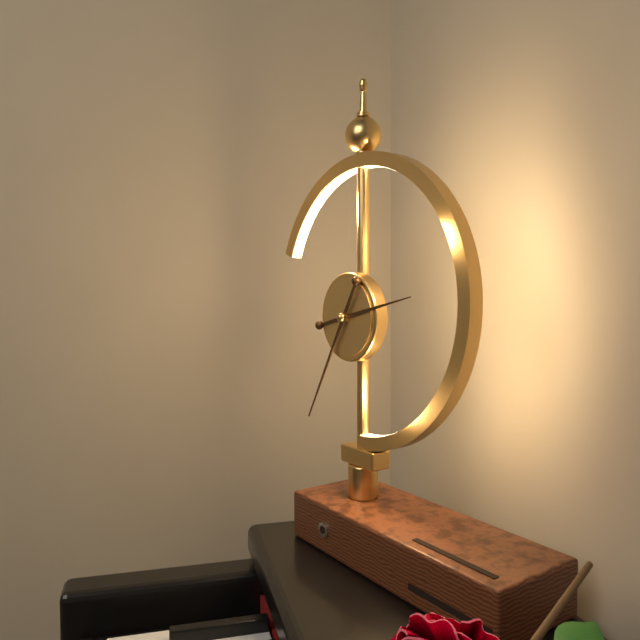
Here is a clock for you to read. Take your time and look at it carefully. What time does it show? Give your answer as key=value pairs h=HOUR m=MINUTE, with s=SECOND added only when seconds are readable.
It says h=2 m=35
